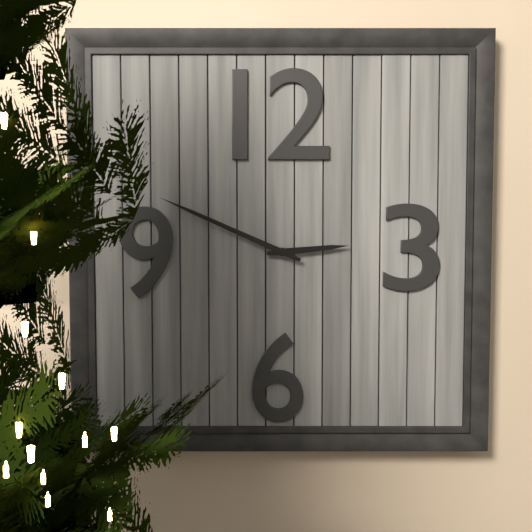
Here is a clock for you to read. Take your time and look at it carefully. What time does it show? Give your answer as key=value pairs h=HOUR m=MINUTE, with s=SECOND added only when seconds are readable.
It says h=2 m=49
